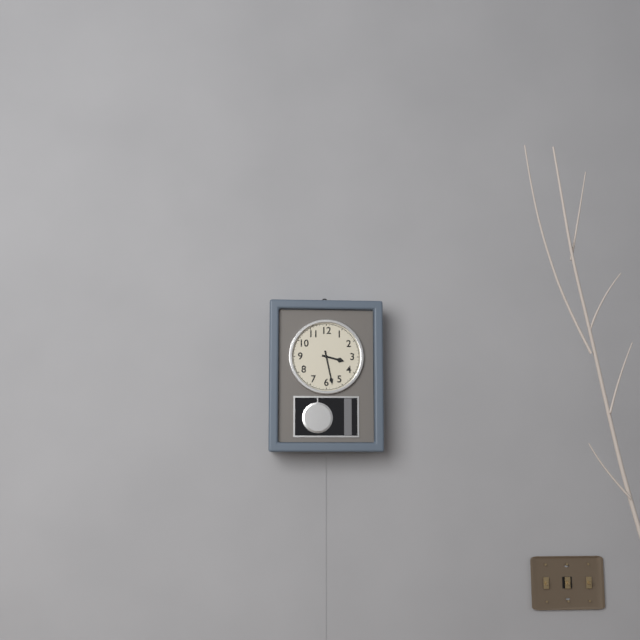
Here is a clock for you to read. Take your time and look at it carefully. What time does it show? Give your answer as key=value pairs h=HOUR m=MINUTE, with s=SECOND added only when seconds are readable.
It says h=3 m=28
